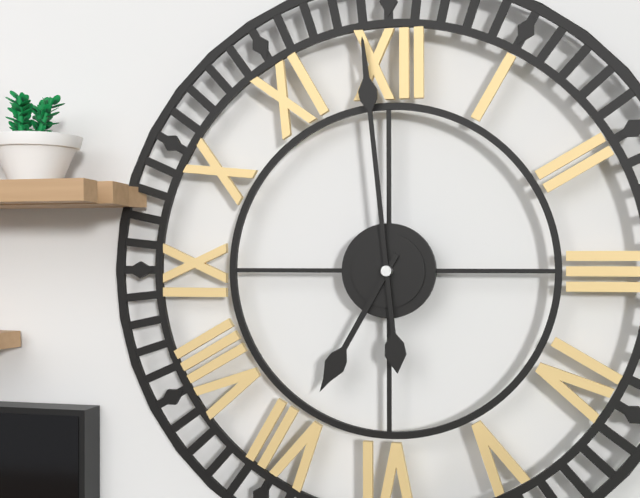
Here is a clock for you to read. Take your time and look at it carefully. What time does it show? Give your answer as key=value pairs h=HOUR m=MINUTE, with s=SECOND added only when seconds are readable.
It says h=6 m=59
